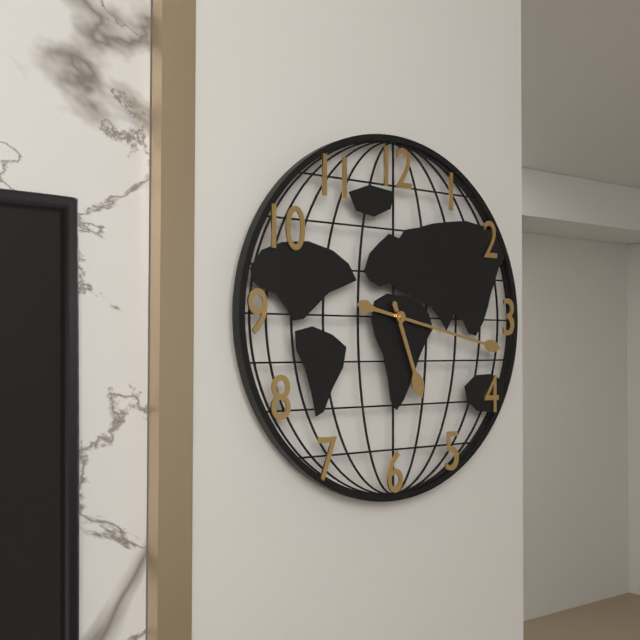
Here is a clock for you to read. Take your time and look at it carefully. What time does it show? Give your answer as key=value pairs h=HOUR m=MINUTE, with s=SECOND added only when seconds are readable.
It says h=5 m=17
